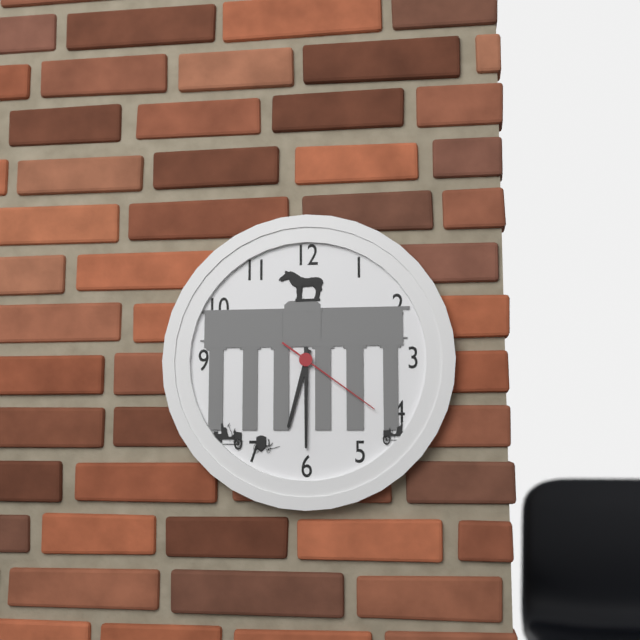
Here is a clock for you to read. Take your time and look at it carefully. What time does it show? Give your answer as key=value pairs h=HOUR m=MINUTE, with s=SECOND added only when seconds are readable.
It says h=6 m=30 s=21
